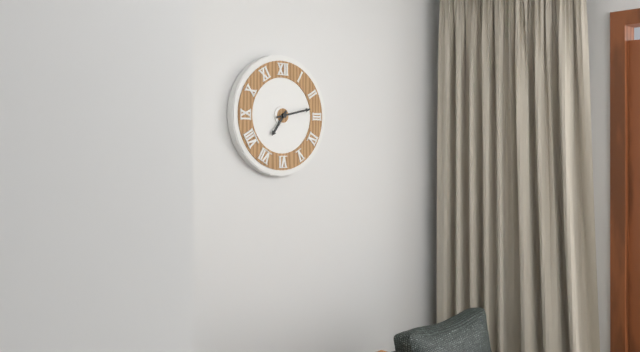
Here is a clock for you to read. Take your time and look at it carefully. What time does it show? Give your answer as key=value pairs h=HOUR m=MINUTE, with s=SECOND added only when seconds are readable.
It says h=7 m=13
